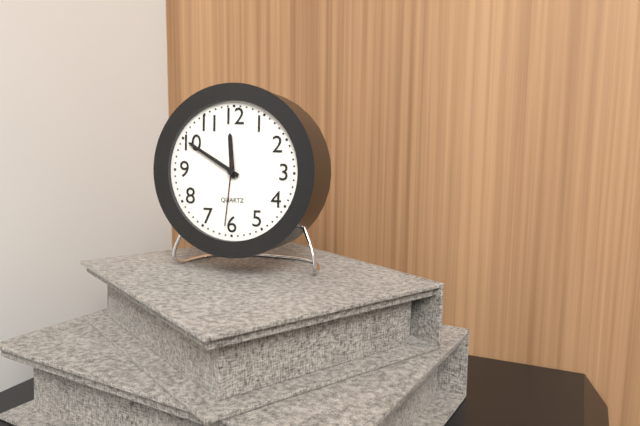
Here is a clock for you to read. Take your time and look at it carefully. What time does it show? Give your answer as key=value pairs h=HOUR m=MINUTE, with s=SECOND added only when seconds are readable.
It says h=11 m=50 s=31
